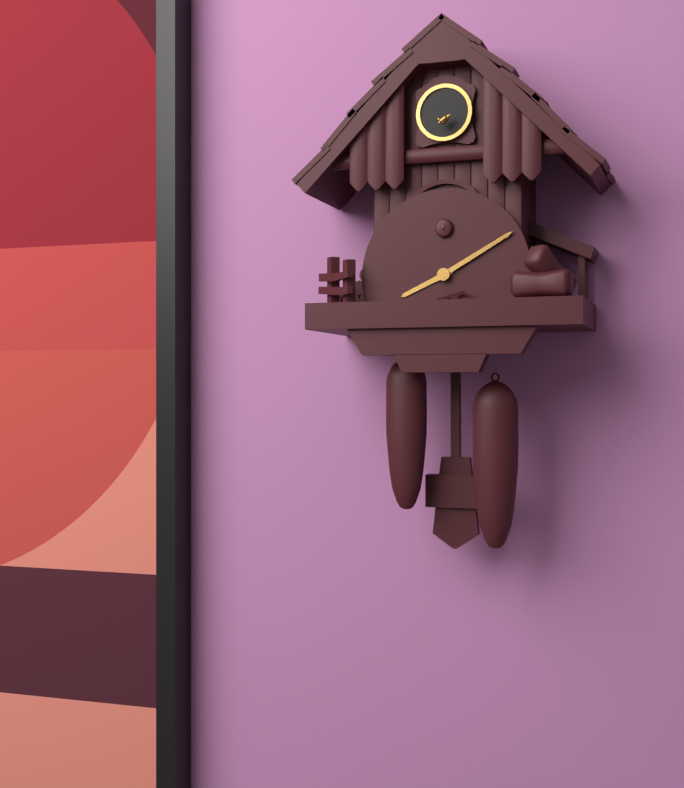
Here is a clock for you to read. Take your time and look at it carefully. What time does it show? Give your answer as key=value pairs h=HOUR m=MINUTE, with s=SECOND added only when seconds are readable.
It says h=8 m=10
